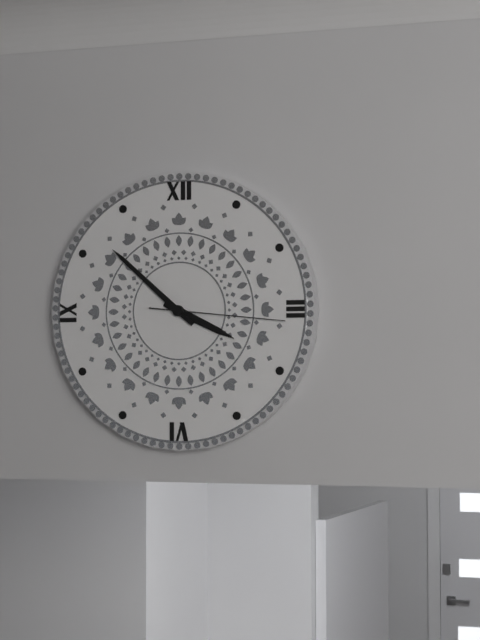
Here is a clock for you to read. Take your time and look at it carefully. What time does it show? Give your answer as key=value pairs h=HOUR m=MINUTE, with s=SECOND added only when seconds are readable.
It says h=3 m=52 s=16
